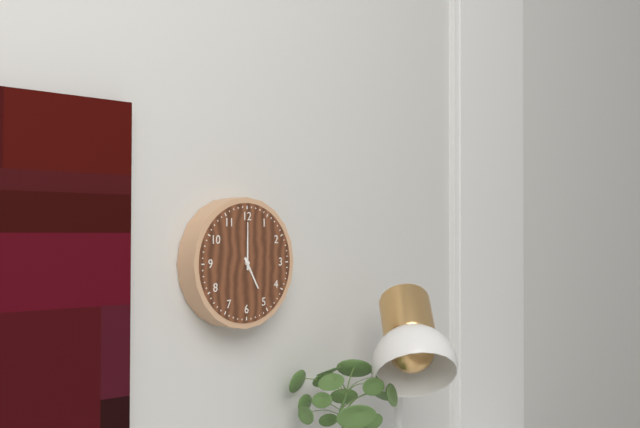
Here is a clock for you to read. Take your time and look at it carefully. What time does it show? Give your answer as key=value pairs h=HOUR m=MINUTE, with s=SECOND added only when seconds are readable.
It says h=5 m=0
